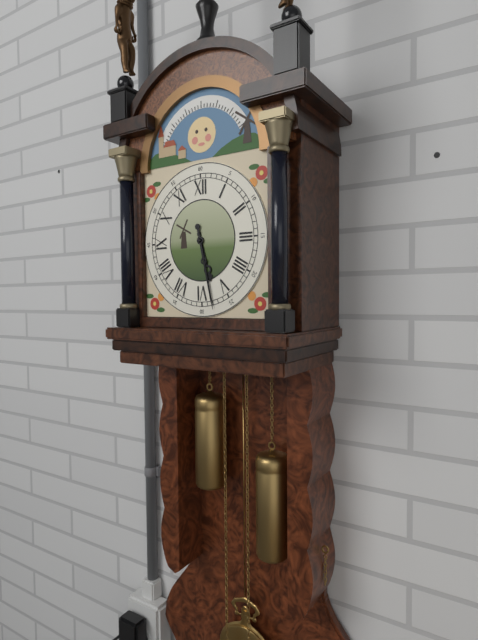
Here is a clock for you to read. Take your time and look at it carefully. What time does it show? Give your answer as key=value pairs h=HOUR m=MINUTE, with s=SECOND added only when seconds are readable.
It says h=5 m=28
